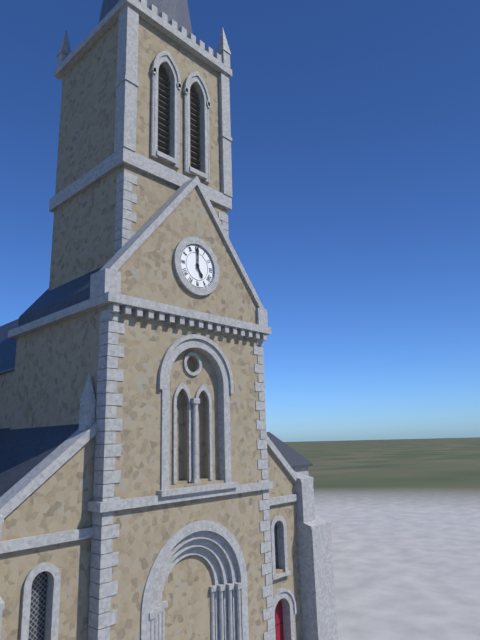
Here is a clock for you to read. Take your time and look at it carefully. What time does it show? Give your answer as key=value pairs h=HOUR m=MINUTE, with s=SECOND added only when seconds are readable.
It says h=5 m=0
